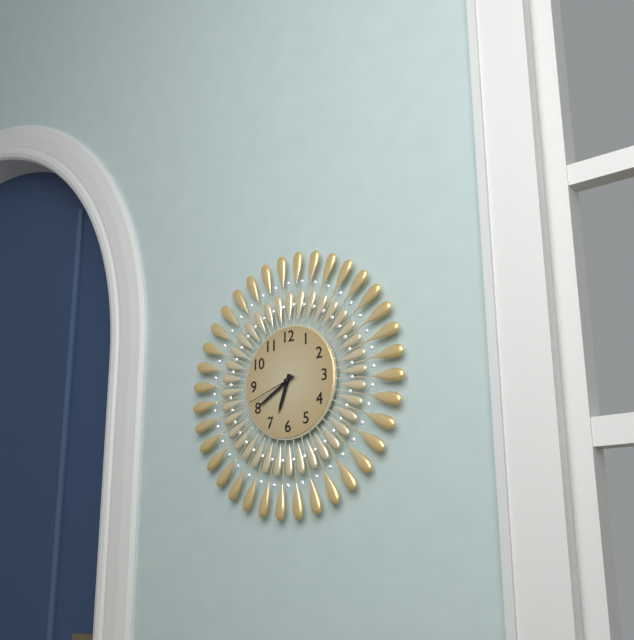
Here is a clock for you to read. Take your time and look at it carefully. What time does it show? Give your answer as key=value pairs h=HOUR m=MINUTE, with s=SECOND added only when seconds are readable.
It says h=6 m=40 s=42
